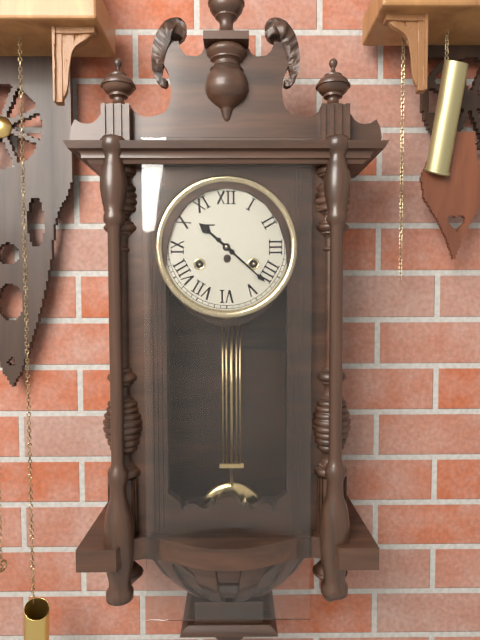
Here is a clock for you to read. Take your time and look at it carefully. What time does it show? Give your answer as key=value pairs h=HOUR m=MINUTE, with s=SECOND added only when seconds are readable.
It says h=10 m=22
